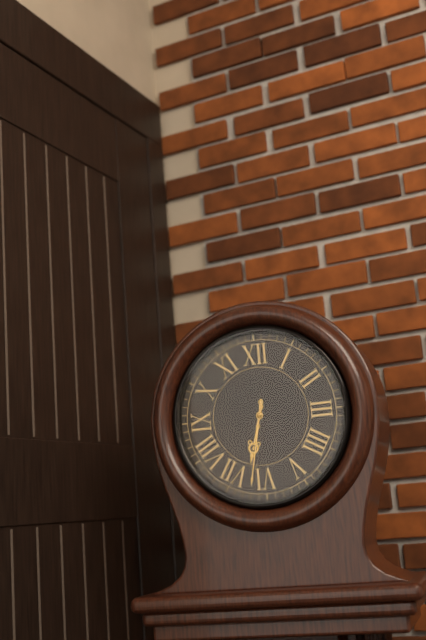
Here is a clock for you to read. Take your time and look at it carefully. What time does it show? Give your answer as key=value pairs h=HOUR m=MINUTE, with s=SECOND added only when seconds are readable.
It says h=6 m=32
